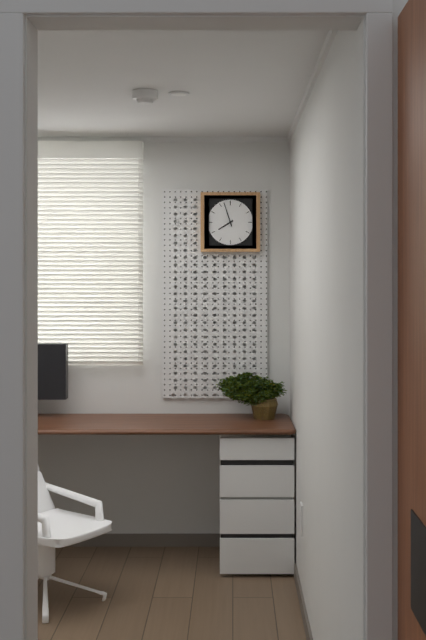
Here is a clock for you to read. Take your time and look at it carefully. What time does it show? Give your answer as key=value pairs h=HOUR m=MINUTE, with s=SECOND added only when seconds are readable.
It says h=7 m=57
